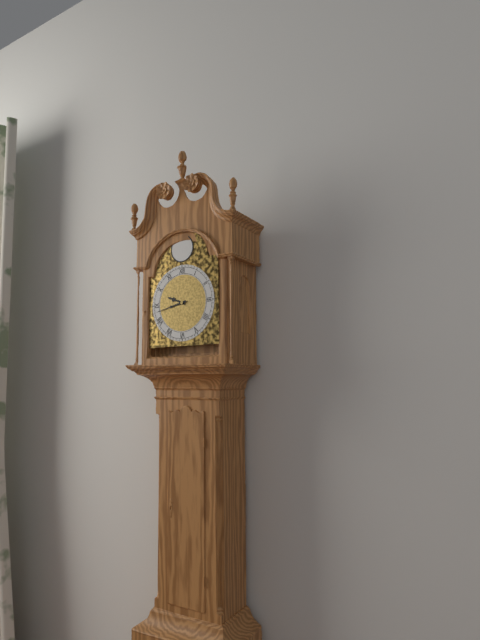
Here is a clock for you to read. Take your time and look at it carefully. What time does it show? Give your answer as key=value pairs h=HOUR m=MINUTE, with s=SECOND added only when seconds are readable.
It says h=9 m=43
